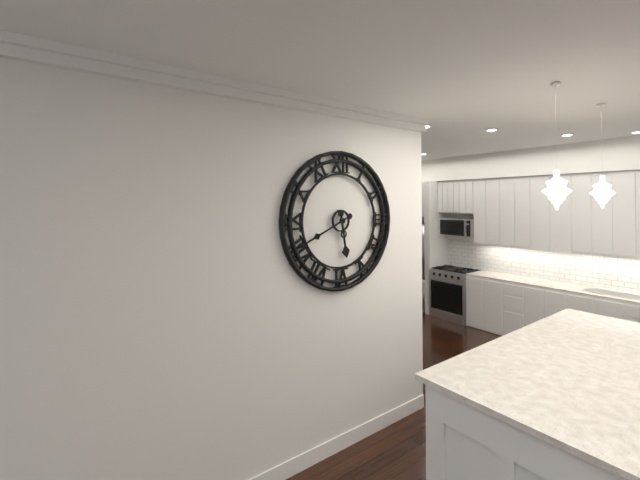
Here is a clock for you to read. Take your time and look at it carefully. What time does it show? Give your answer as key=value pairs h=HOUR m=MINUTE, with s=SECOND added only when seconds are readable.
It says h=5 m=41
